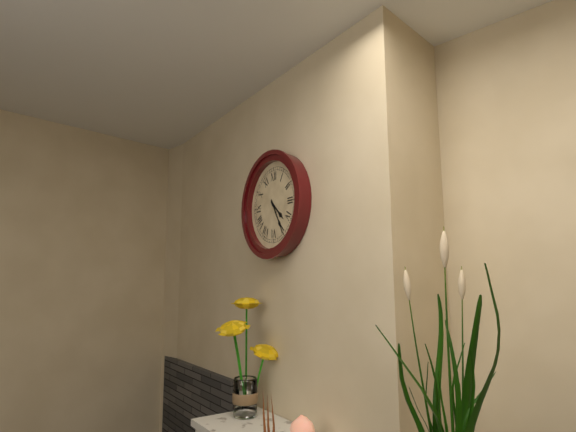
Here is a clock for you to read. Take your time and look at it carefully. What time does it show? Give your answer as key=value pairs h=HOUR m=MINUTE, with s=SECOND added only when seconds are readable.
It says h=4 m=25
